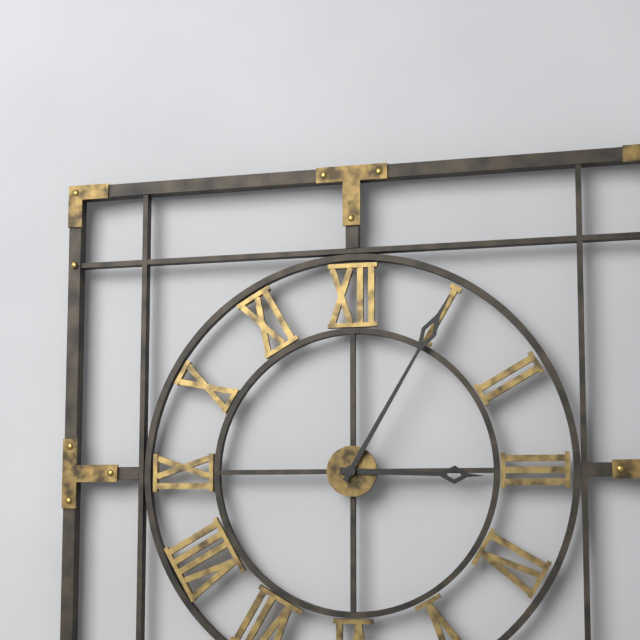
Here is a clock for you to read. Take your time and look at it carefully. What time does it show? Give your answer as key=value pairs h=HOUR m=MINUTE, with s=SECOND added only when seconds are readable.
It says h=3 m=5
